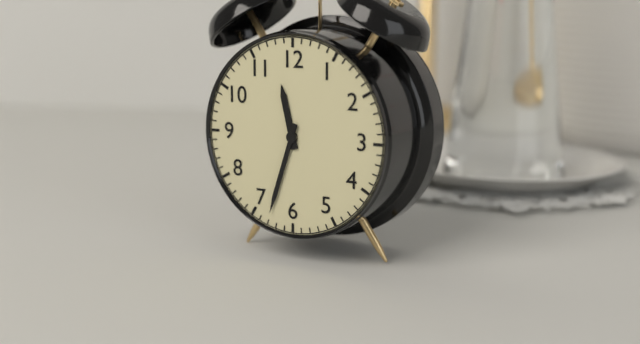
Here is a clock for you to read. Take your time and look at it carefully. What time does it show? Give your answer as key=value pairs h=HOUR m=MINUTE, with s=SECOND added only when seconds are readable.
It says h=11 m=33
